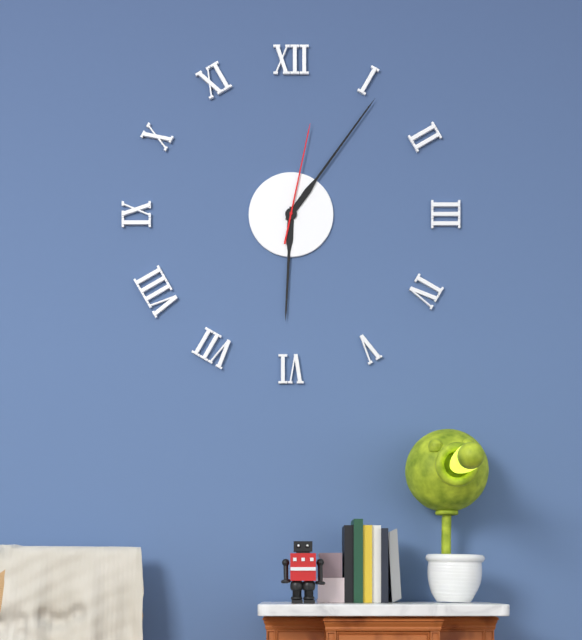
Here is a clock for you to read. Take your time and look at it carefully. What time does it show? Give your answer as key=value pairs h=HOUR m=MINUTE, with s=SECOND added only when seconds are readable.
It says h=6 m=6 s=2
